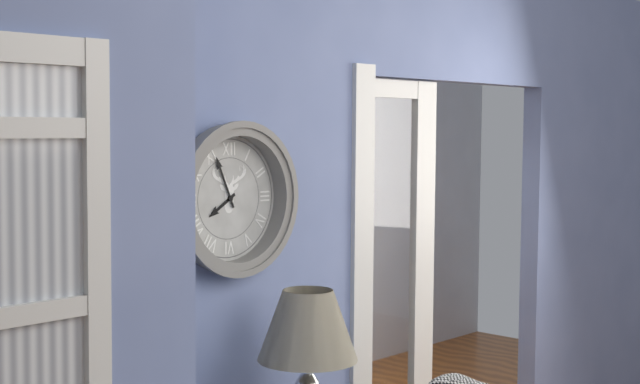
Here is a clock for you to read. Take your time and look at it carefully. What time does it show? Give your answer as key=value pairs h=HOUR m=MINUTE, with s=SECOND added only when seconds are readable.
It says h=7 m=56
